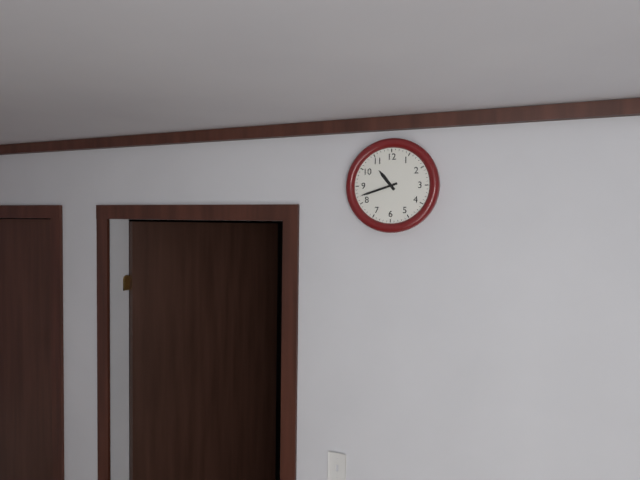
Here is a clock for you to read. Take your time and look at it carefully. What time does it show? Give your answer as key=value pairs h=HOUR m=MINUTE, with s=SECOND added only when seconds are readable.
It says h=10 m=42
